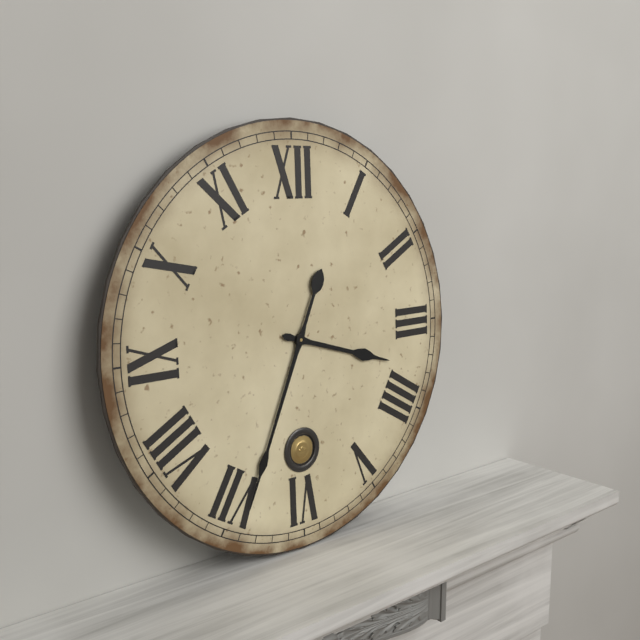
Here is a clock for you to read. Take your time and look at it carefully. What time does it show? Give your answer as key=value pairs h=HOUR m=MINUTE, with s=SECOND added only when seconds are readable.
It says h=3 m=34
